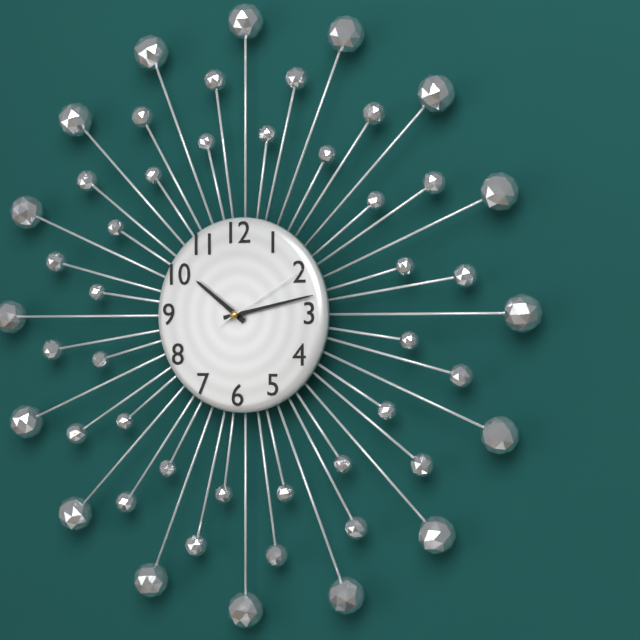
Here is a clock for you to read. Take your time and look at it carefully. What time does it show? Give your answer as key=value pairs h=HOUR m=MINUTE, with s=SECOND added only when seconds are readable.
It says h=10 m=13 s=10
